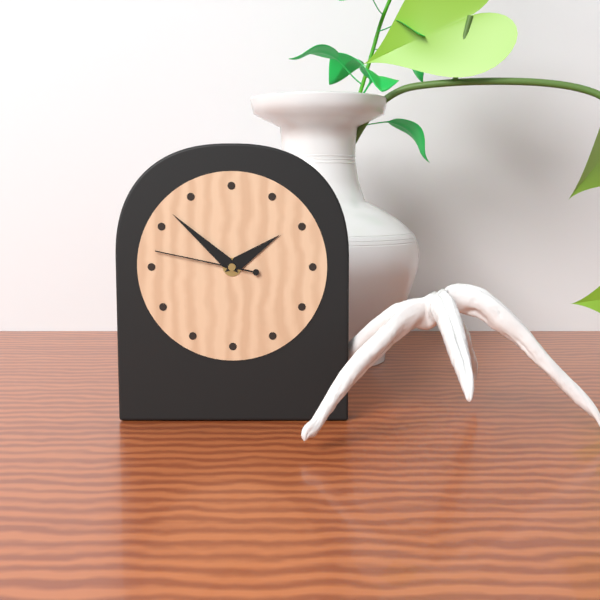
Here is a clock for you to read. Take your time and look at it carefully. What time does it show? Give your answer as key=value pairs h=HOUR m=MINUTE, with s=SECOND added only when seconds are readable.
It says h=1 m=52 s=47
